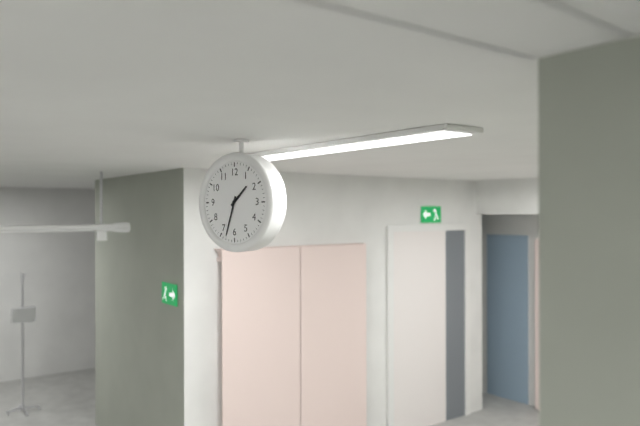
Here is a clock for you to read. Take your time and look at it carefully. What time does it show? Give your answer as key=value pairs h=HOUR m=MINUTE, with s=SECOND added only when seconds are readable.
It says h=1 m=33
